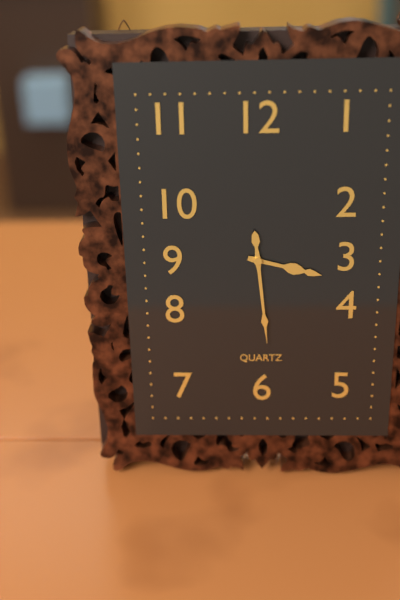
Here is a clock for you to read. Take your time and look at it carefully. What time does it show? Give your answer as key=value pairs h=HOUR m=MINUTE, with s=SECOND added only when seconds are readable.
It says h=3 m=29
